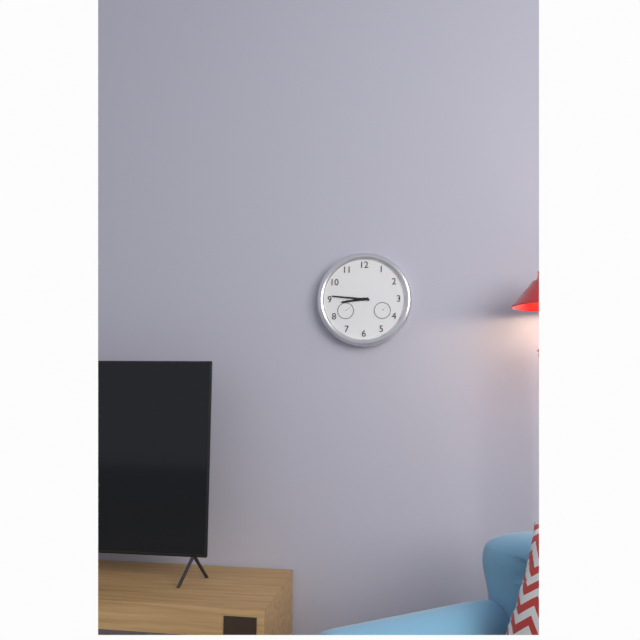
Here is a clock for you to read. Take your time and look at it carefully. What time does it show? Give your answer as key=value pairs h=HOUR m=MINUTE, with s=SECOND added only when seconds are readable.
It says h=8 m=46
